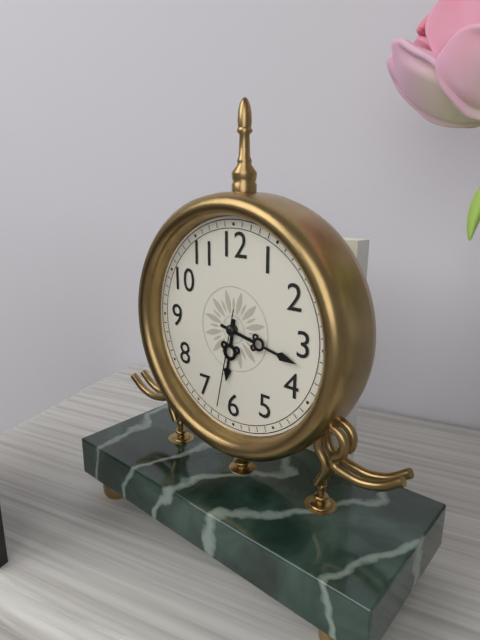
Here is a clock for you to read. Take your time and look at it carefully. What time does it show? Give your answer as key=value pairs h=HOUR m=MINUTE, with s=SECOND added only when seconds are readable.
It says h=6 m=17 s=32
